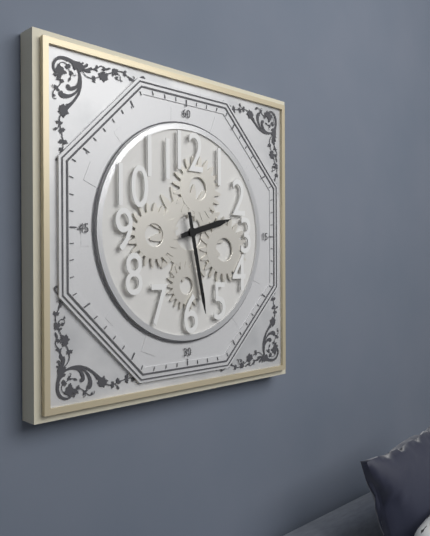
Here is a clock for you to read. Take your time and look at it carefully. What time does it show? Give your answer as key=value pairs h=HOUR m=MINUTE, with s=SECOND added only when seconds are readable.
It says h=2 m=28
